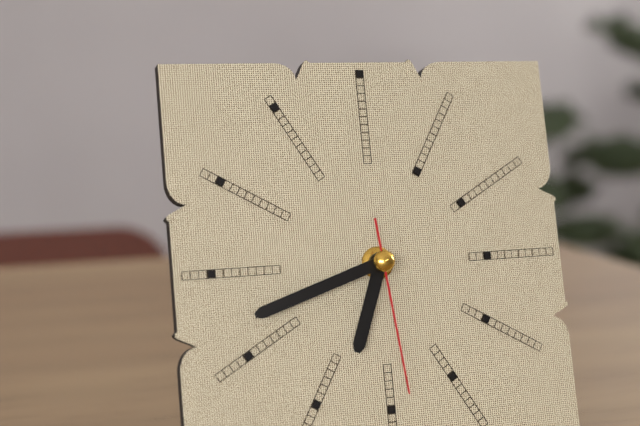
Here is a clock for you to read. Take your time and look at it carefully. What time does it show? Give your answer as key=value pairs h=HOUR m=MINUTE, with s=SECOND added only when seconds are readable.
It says h=6 m=42 s=29
